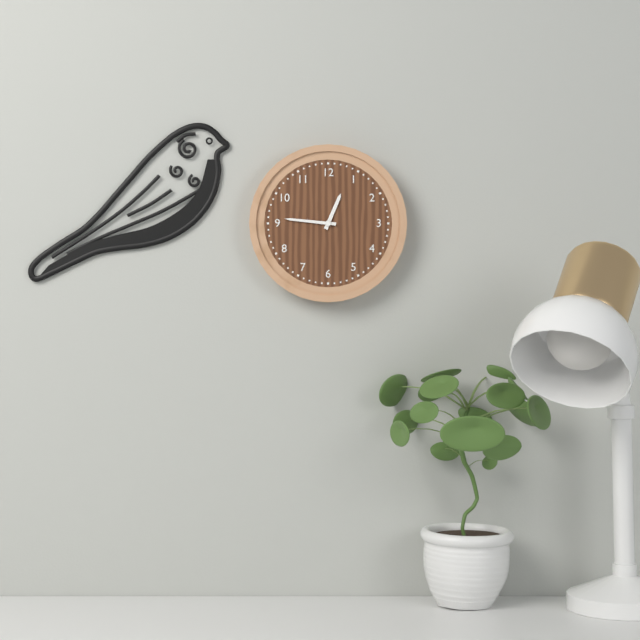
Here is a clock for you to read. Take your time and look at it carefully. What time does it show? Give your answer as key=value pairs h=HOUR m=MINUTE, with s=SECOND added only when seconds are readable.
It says h=12 m=46
